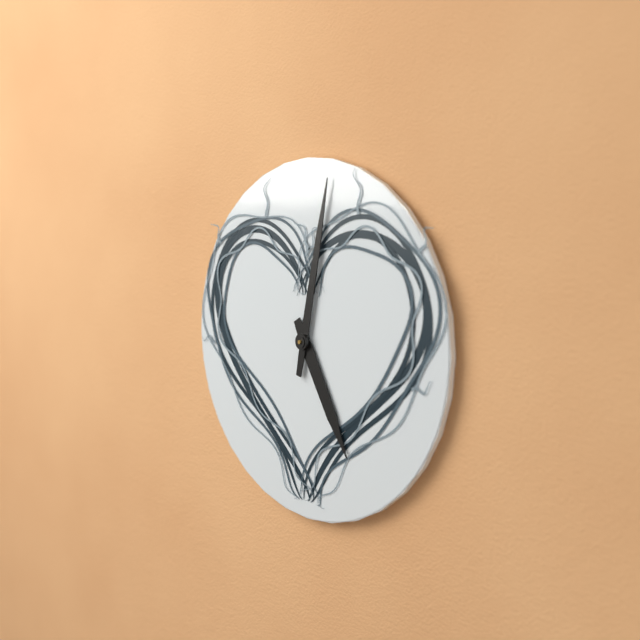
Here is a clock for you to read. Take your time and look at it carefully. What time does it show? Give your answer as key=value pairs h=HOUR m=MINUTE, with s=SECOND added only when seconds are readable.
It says h=5 m=2
